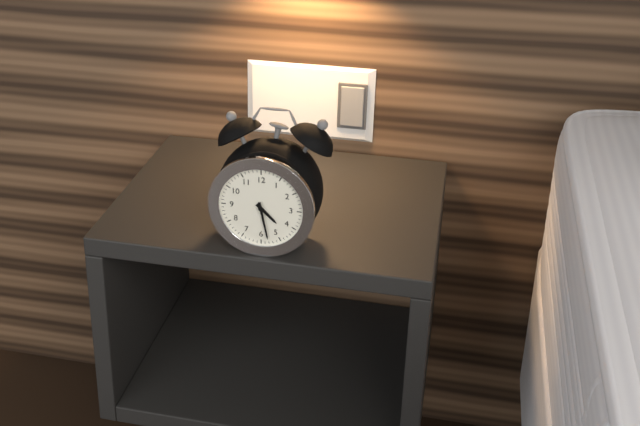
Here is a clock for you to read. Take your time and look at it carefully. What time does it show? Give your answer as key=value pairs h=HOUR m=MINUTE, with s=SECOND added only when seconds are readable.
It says h=4 m=28
